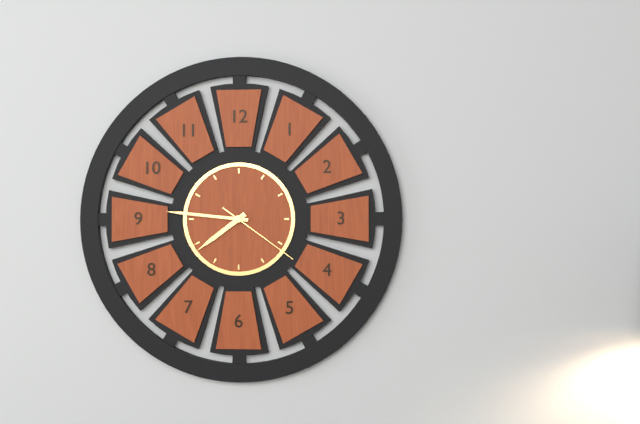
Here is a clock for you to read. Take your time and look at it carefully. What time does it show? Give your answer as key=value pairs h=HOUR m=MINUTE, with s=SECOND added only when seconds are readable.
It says h=7 m=46 s=21
